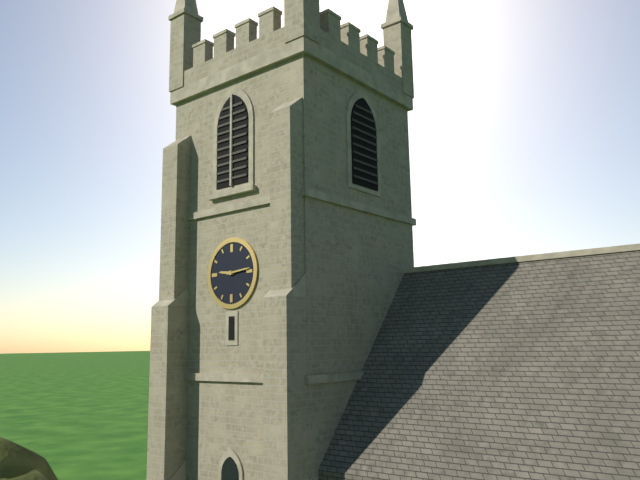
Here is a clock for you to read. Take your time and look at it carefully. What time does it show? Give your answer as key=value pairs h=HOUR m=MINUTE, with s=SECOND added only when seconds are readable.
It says h=9 m=14
